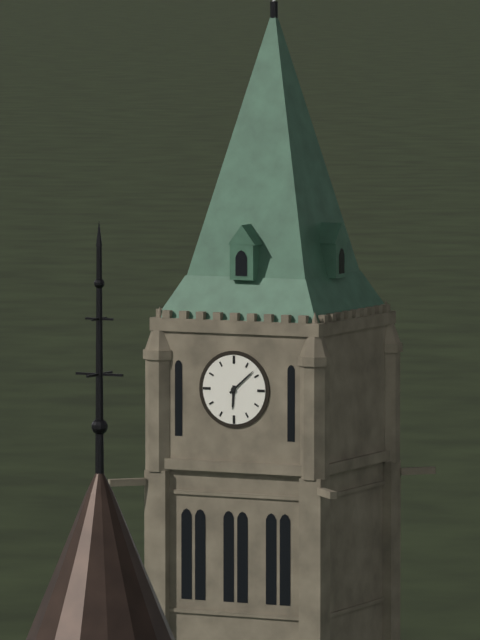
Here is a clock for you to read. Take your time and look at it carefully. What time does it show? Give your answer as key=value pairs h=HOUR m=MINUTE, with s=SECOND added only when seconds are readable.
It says h=6 m=8
